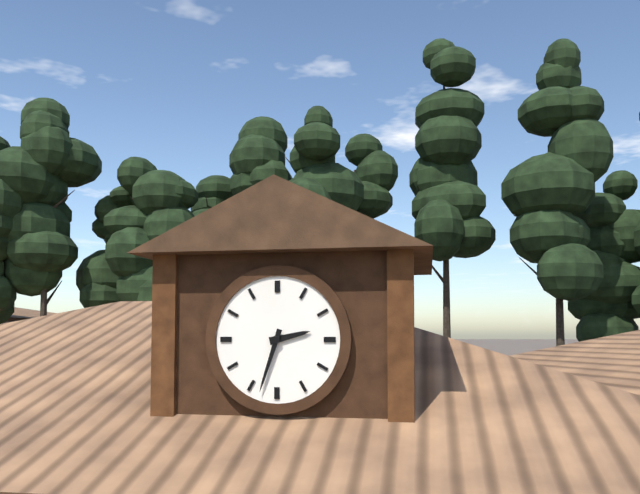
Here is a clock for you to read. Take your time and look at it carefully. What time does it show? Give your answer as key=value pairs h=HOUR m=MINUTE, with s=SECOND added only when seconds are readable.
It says h=2 m=33
